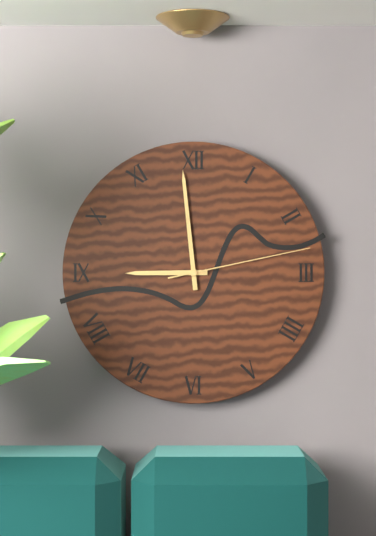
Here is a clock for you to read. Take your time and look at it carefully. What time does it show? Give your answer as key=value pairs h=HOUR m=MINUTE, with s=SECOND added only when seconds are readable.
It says h=8 m=59 s=13
